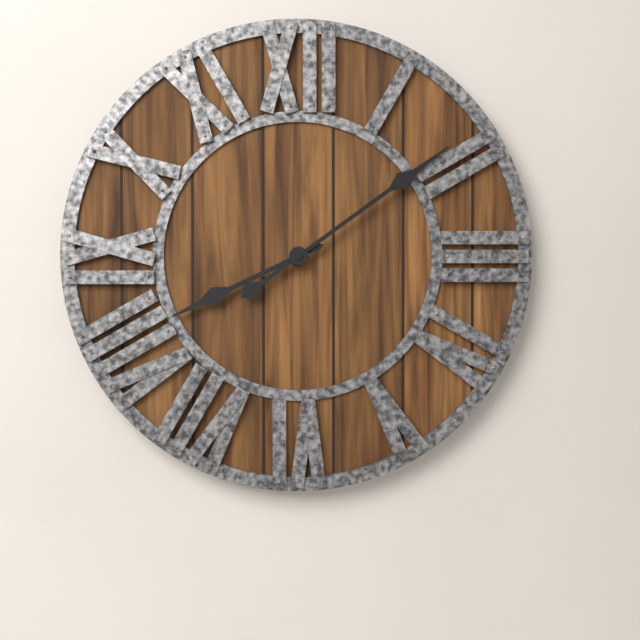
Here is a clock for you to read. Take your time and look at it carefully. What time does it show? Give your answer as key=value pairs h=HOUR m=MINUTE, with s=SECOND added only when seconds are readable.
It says h=8 m=9
